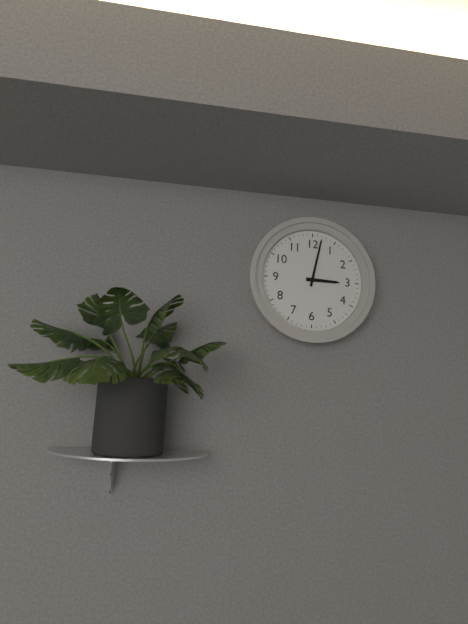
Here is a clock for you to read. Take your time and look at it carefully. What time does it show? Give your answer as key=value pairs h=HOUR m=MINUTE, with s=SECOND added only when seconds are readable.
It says h=3 m=2
